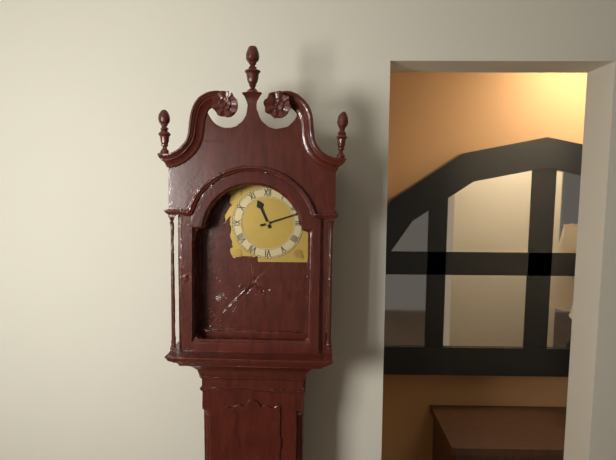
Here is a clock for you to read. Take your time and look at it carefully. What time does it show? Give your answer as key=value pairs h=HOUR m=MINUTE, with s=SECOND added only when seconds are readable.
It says h=11 m=12
